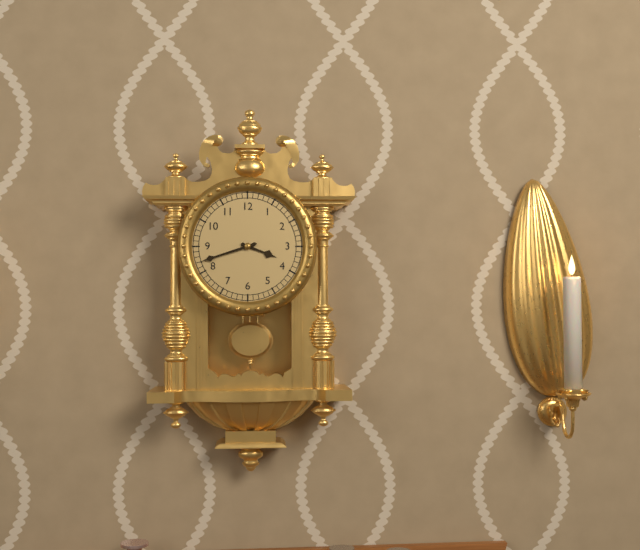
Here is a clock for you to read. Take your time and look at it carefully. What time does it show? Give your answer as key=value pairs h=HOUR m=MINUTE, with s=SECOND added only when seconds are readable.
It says h=3 m=42
